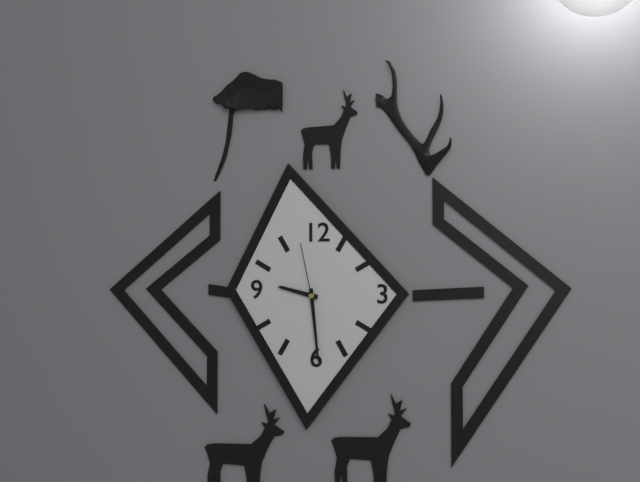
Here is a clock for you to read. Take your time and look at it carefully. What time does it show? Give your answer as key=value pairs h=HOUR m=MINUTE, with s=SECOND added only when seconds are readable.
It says h=9 m=29 s=58
